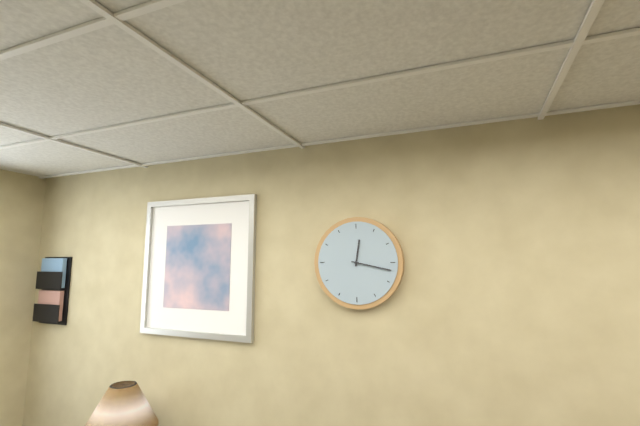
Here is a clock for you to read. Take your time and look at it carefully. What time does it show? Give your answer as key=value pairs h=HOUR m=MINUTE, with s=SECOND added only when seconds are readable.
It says h=12 m=17
